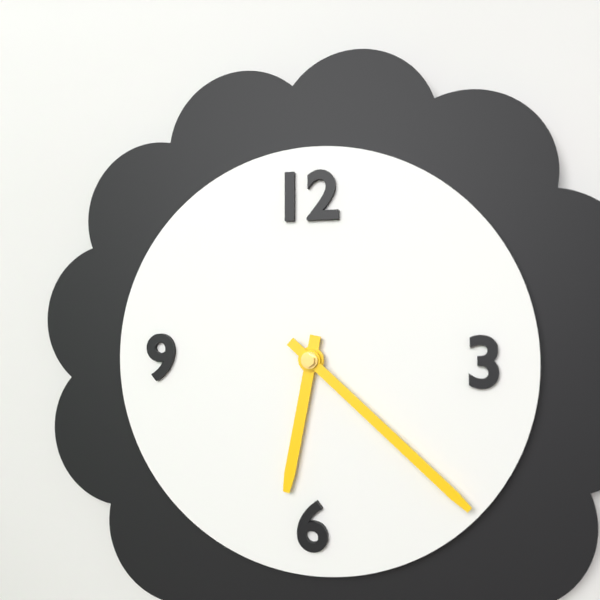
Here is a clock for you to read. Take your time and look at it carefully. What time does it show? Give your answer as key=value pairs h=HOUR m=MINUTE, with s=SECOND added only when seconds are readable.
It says h=6 m=22
